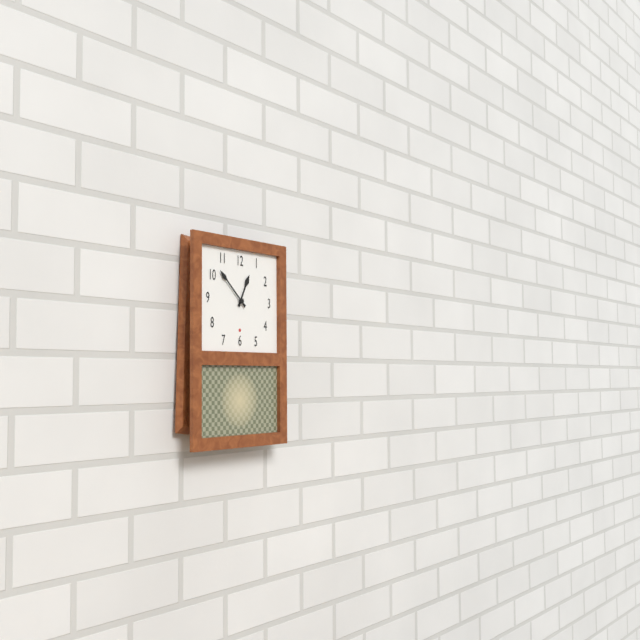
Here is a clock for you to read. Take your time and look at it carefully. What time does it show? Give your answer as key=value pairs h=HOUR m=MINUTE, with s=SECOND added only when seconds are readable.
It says h=12 m=52
